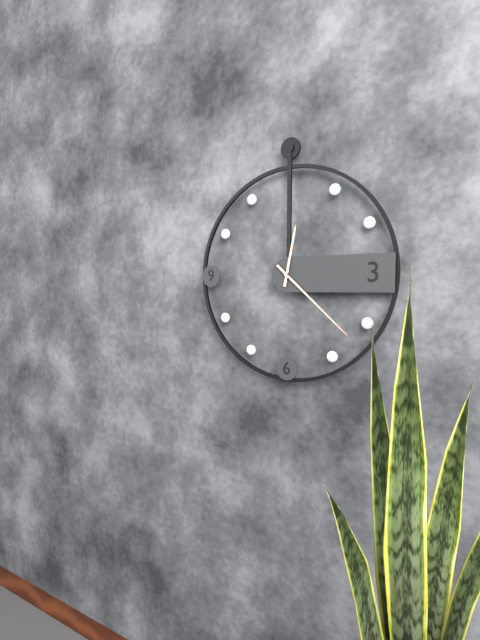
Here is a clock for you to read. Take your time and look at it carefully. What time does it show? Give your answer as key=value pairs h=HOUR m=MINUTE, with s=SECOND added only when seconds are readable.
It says h=12 m=22
